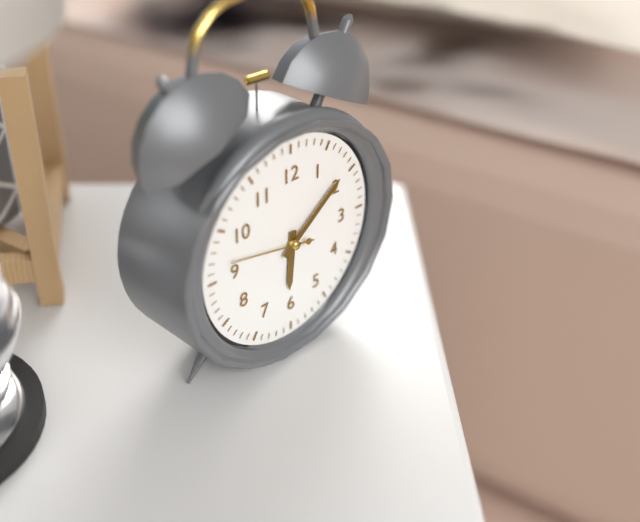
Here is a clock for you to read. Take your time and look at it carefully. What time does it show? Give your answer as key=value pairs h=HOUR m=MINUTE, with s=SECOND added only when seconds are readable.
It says h=6 m=9 s=47
